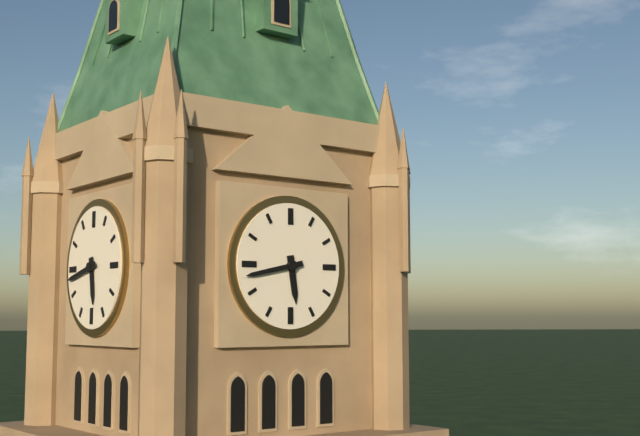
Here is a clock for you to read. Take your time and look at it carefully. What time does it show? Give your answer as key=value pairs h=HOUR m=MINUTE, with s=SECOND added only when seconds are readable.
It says h=5 m=43
